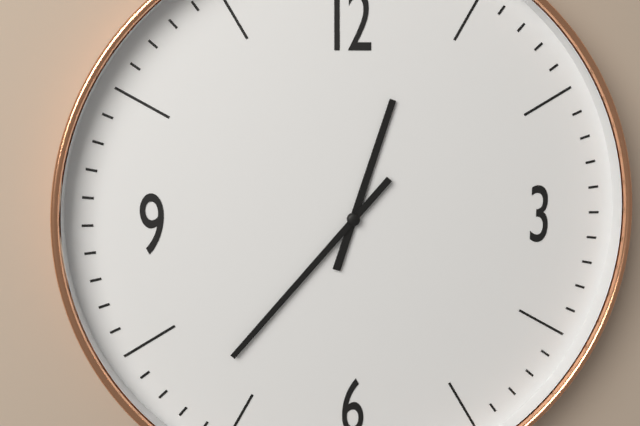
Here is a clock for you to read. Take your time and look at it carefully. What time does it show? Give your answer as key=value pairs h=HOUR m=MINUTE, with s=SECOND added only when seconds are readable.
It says h=12 m=37
